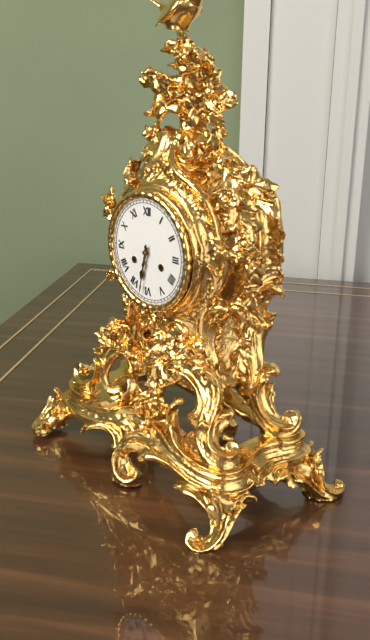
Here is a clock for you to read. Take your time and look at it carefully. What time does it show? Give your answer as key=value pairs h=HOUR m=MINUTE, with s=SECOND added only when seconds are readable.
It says h=6 m=32
